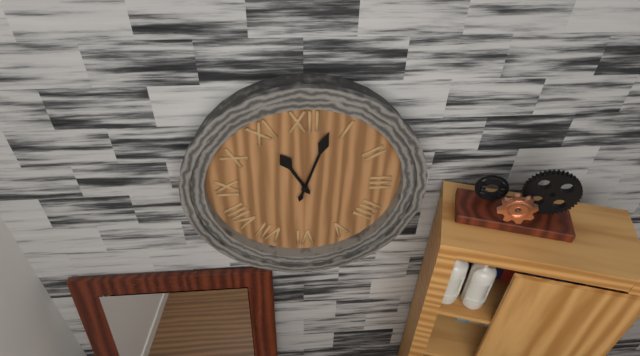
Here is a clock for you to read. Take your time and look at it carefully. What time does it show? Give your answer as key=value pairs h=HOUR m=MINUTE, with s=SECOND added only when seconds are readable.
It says h=11 m=3
